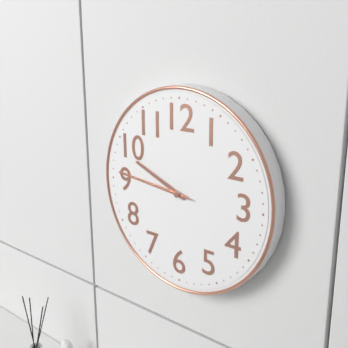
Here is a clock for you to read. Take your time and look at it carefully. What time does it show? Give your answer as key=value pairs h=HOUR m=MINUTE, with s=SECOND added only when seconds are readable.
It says h=9 m=46 s=46
